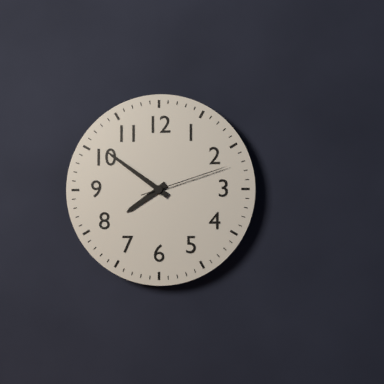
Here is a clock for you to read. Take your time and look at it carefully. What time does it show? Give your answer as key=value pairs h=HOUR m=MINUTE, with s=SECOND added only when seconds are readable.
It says h=7 m=51 s=12
